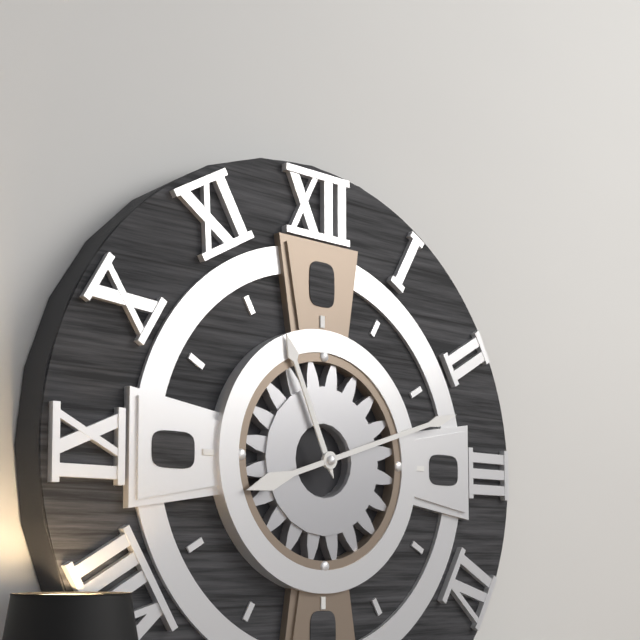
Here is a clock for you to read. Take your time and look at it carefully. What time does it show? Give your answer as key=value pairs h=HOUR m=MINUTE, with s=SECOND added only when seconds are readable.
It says h=11 m=12
